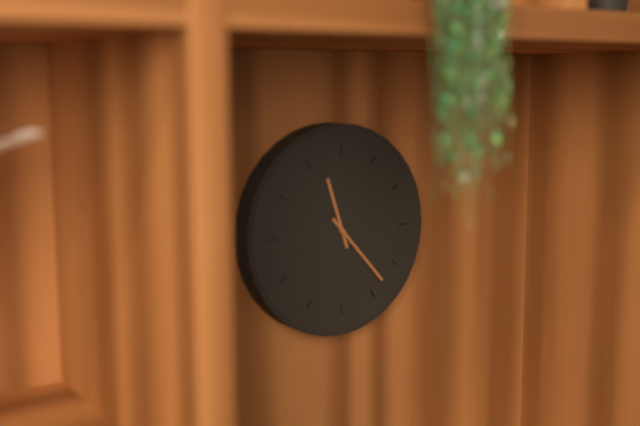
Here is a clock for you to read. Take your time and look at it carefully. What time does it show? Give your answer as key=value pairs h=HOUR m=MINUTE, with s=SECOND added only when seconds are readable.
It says h=11 m=23
